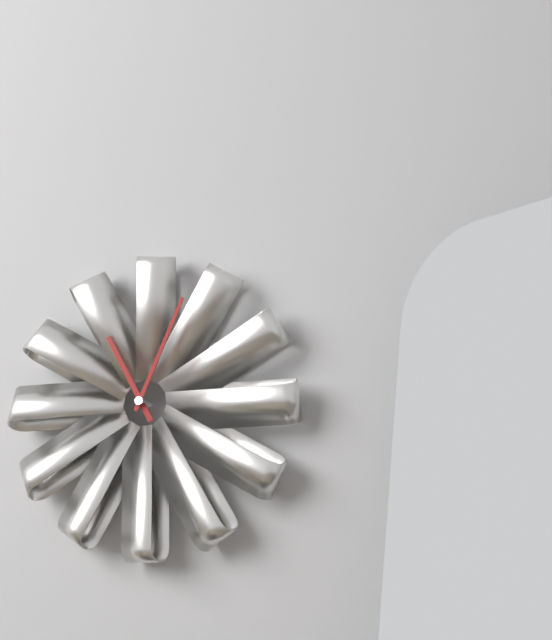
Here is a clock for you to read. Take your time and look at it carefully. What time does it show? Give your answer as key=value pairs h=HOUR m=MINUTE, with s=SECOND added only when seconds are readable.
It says h=11 m=4
